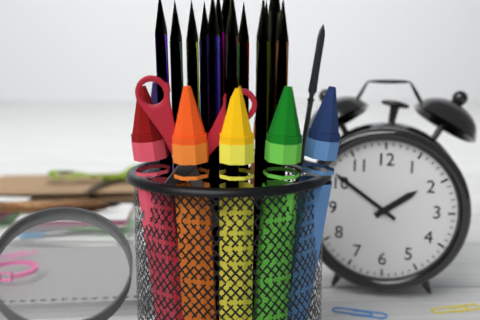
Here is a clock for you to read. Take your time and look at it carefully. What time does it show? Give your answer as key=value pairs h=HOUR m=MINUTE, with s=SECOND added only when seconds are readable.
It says h=1 m=51
